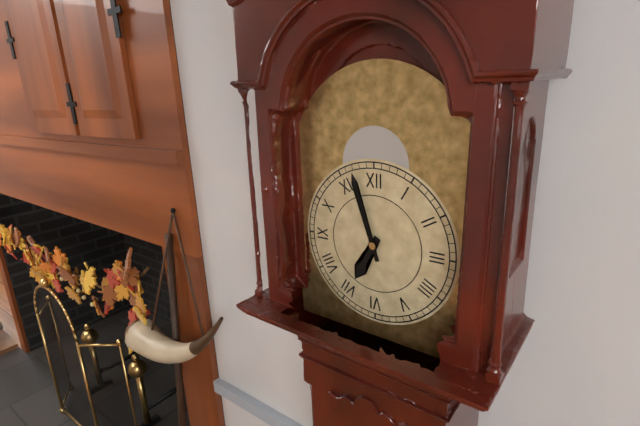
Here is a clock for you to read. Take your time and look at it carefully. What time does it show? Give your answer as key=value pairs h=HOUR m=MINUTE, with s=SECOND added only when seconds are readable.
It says h=6 m=57
